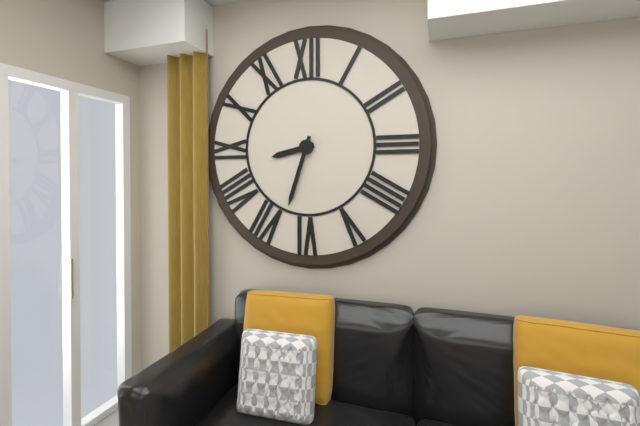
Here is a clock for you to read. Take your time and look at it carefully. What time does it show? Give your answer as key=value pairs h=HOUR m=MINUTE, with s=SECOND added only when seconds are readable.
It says h=8 m=33
